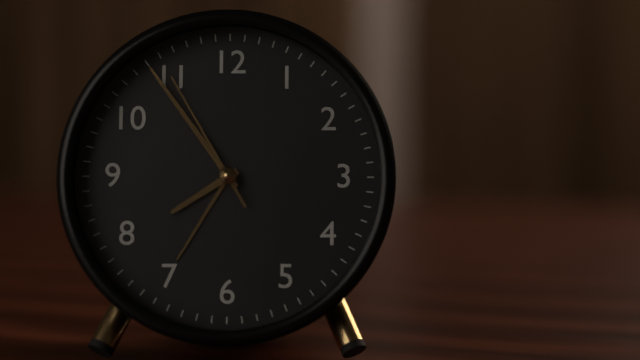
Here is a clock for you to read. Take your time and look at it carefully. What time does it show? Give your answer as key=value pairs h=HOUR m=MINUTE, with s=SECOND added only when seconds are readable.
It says h=7 m=54 s=55
